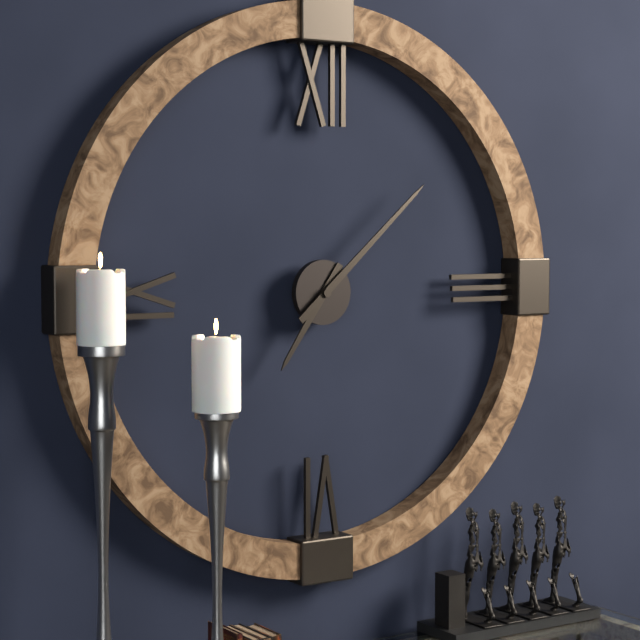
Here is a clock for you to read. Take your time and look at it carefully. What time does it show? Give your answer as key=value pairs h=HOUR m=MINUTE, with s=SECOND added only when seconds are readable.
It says h=7 m=8
